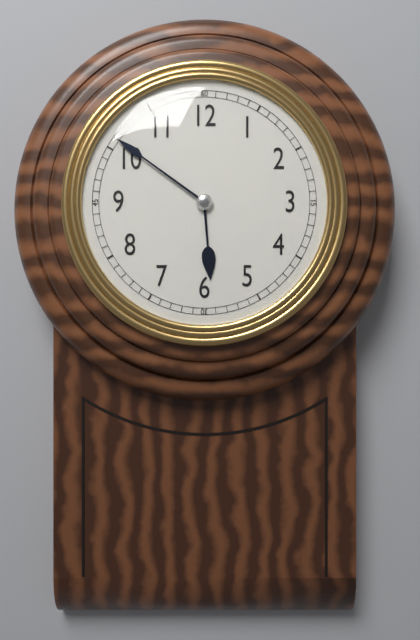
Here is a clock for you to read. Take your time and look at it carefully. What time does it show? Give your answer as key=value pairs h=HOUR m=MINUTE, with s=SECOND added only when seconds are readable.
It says h=5 m=51
